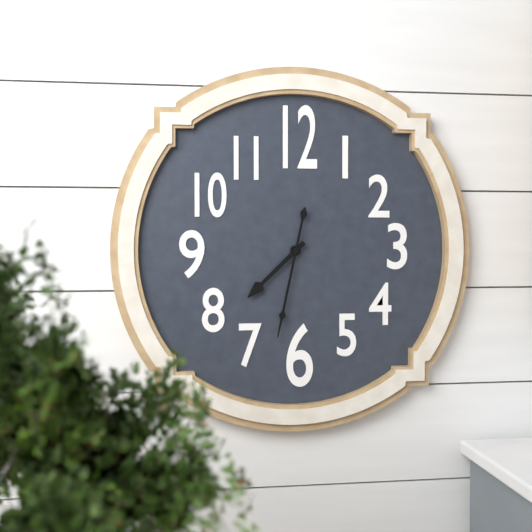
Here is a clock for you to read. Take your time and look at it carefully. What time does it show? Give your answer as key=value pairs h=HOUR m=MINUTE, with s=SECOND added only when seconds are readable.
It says h=7 m=32
